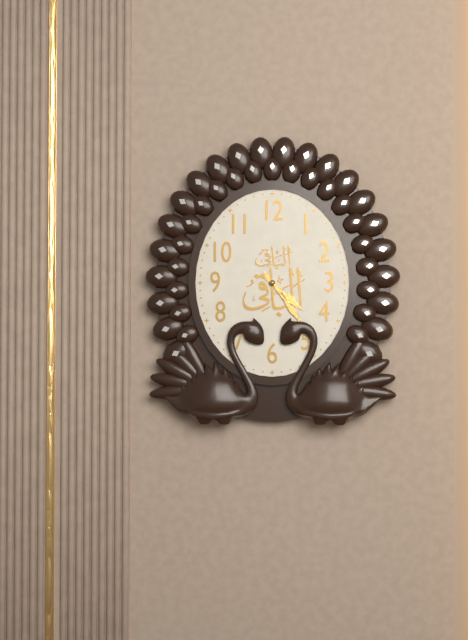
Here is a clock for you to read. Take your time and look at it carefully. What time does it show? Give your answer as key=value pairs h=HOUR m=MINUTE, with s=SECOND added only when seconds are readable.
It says h=4 m=24
